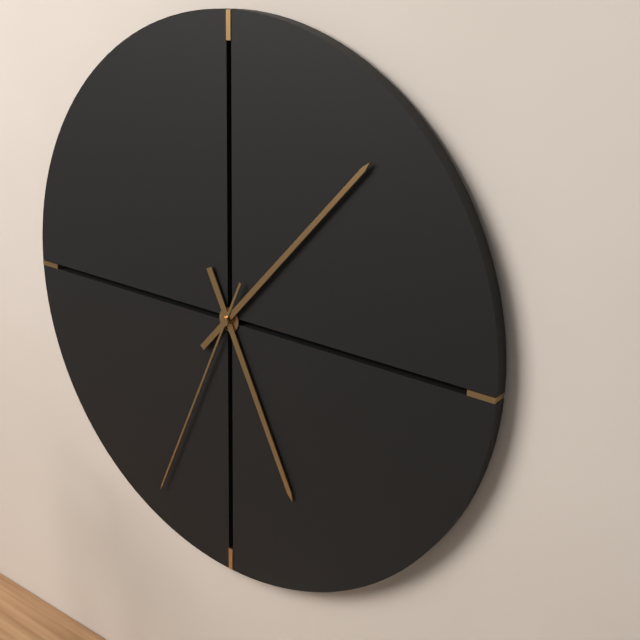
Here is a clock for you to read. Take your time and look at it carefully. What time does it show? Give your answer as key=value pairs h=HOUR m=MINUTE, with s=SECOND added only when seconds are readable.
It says h=5 m=7 s=34
